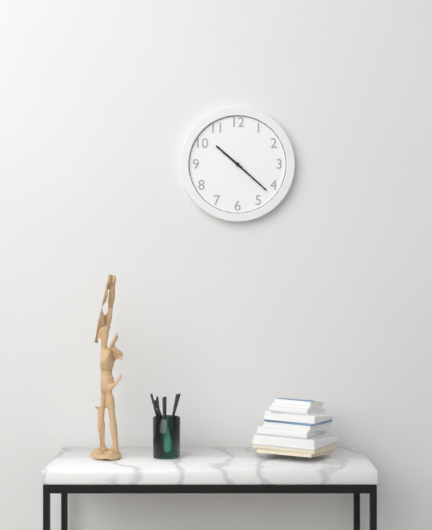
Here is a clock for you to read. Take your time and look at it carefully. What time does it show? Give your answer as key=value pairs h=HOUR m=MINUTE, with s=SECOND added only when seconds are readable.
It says h=10 m=22
